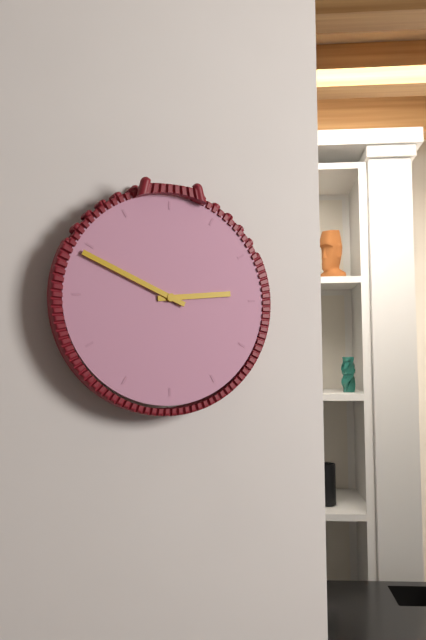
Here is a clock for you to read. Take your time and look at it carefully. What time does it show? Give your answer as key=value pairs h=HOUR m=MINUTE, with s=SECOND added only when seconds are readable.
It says h=2 m=49
